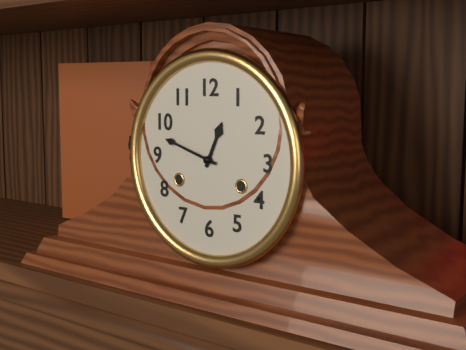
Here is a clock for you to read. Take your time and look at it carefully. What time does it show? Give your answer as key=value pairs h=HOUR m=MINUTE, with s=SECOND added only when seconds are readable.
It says h=12 m=48
